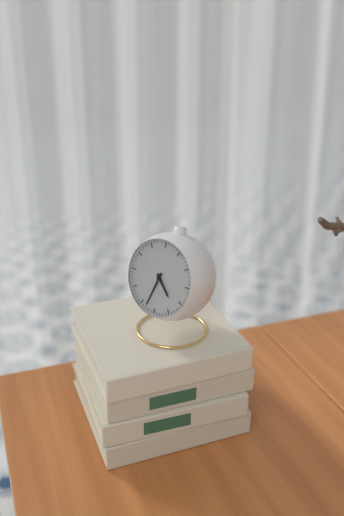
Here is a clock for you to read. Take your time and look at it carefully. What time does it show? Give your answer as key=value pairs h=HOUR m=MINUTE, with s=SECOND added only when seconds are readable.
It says h=4 m=33
